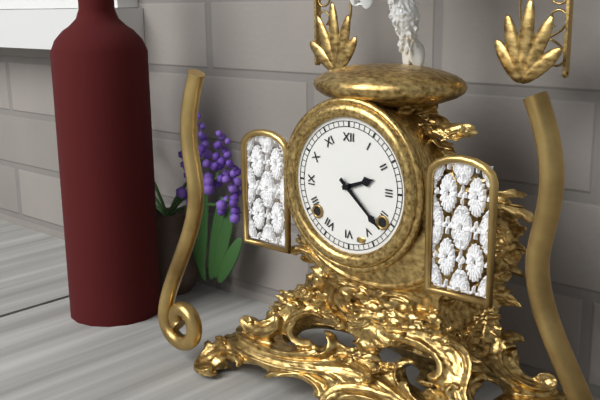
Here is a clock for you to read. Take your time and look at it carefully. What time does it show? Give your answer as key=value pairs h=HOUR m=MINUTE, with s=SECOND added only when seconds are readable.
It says h=2 m=22
